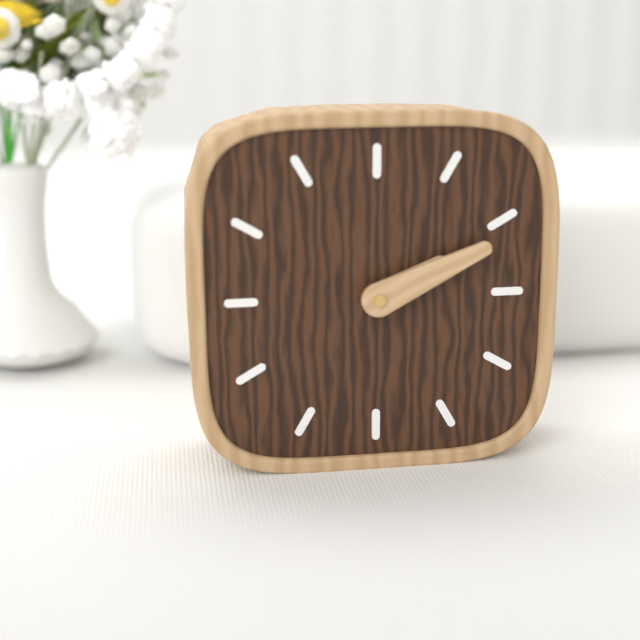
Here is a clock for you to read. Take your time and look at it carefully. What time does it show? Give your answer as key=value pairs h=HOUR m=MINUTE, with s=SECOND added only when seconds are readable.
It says h=2 m=11
